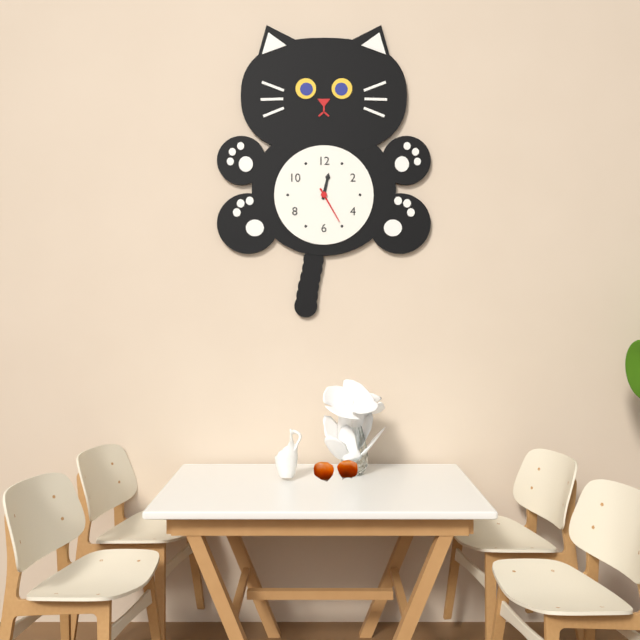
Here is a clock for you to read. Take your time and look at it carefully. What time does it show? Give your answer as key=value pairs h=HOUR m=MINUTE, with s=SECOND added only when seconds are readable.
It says h=12 m=25
